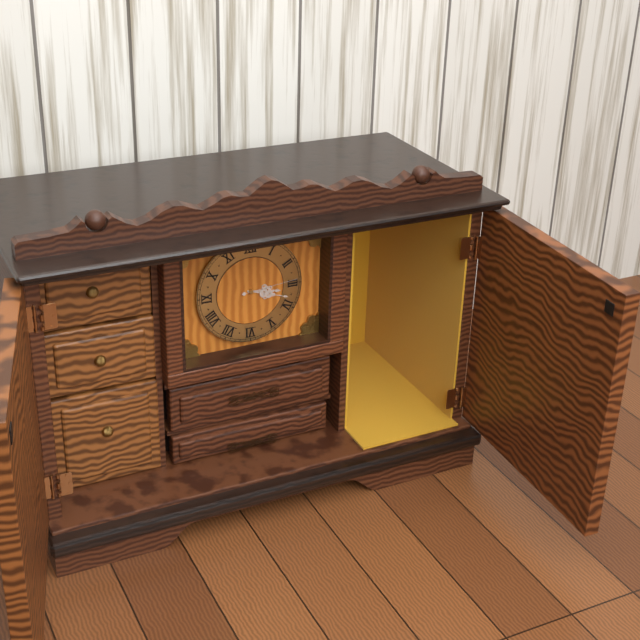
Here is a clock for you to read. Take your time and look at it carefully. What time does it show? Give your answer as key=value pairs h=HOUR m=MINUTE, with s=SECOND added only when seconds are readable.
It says h=3 m=18 s=14
